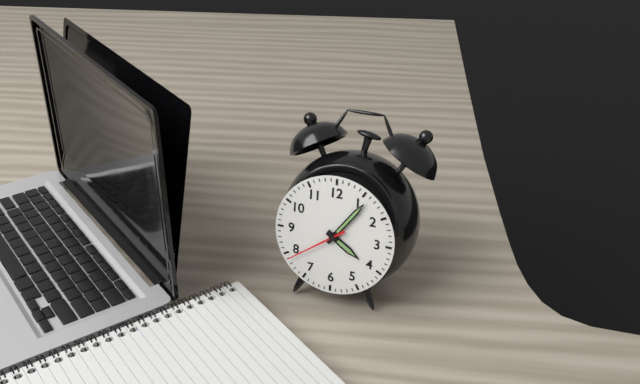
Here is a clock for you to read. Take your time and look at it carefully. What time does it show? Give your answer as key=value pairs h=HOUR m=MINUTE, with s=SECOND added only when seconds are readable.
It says h=4 m=6 s=39
